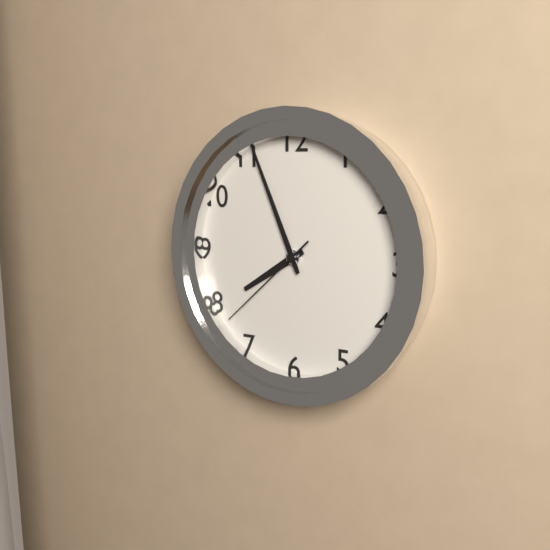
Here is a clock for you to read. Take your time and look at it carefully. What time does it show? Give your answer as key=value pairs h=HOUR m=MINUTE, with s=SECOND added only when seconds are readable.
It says h=7 m=56 s=38
